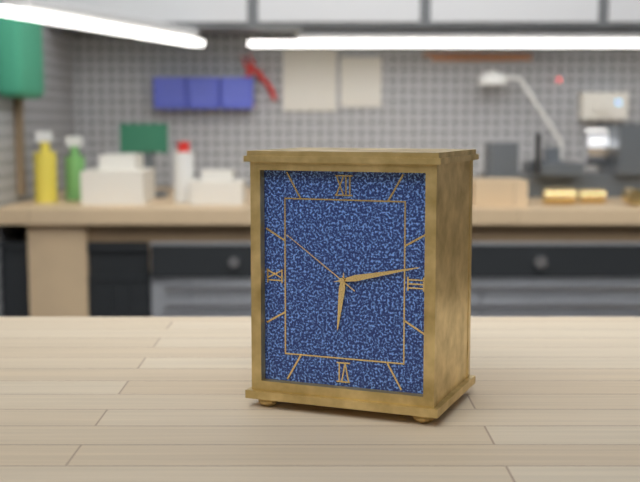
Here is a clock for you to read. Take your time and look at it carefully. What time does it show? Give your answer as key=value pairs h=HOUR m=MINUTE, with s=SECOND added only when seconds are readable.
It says h=6 m=13 s=51
